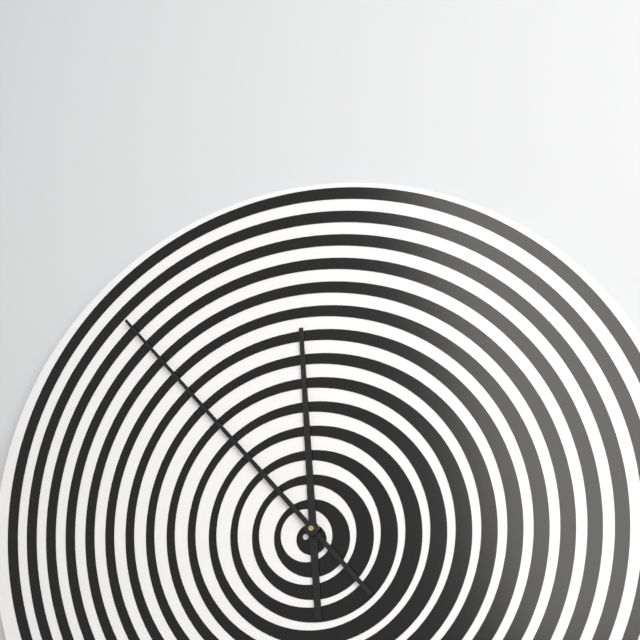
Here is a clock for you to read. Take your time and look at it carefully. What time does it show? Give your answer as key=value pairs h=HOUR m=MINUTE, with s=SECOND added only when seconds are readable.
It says h=11 m=53
